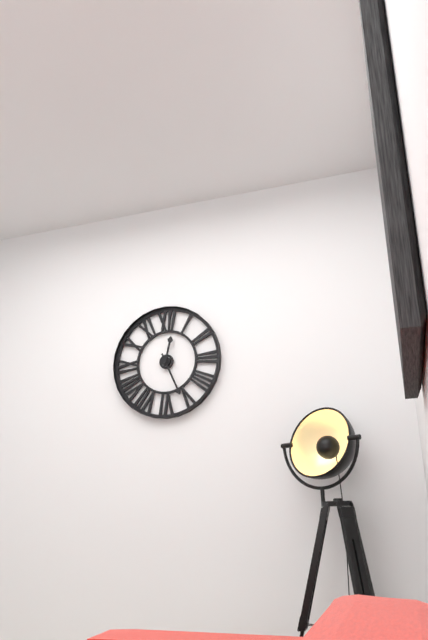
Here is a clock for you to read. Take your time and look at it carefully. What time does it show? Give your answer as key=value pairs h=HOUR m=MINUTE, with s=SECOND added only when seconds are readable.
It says h=12 m=26
